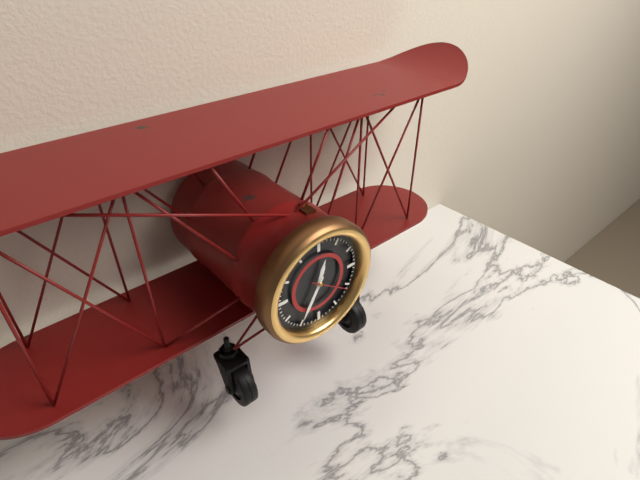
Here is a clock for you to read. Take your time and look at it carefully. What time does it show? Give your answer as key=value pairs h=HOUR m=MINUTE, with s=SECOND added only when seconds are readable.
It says h=12 m=35
